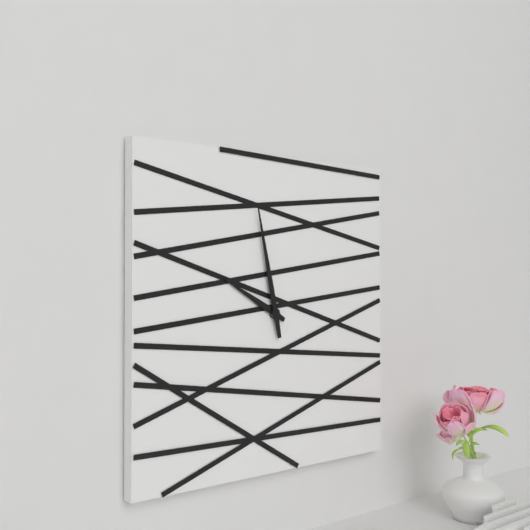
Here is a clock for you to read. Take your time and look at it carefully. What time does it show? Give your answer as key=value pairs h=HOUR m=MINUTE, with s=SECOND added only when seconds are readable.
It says h=9 m=58
